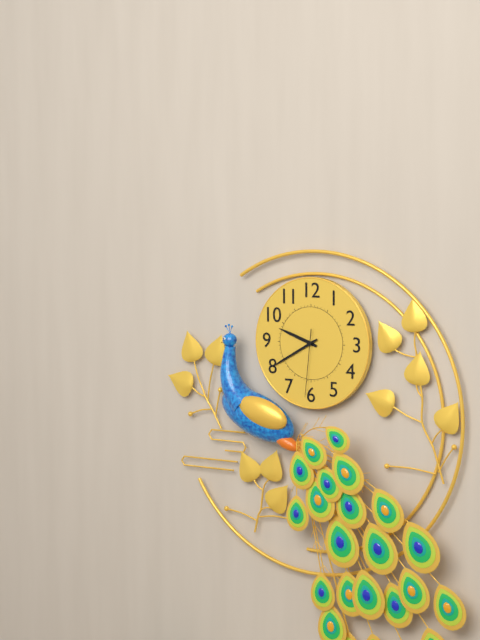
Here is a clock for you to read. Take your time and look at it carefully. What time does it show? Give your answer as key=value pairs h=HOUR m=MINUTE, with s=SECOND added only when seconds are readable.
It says h=9 m=40 s=31
